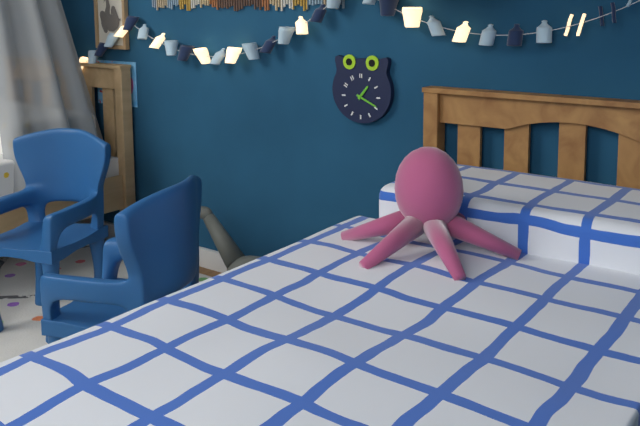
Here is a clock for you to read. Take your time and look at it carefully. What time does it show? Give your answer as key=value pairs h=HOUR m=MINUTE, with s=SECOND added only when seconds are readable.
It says h=1 m=19
